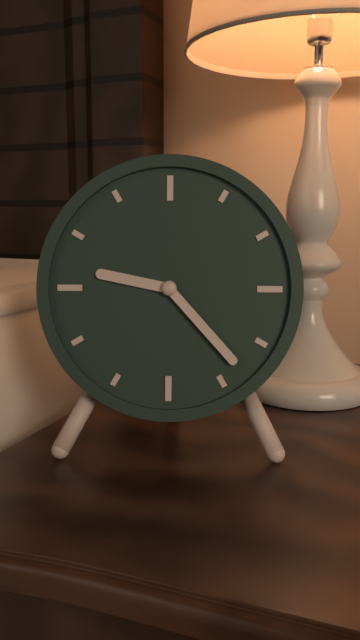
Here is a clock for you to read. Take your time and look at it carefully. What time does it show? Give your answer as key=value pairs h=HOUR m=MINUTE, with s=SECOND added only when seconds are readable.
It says h=9 m=23
